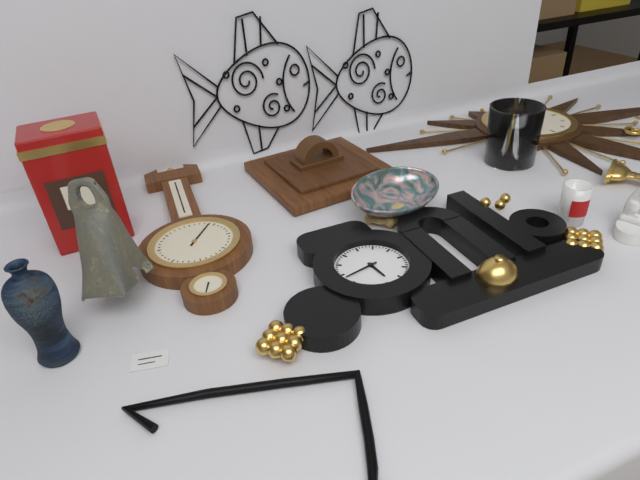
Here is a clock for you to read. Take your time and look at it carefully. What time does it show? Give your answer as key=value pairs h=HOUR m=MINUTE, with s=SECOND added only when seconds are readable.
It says h=5 m=43
